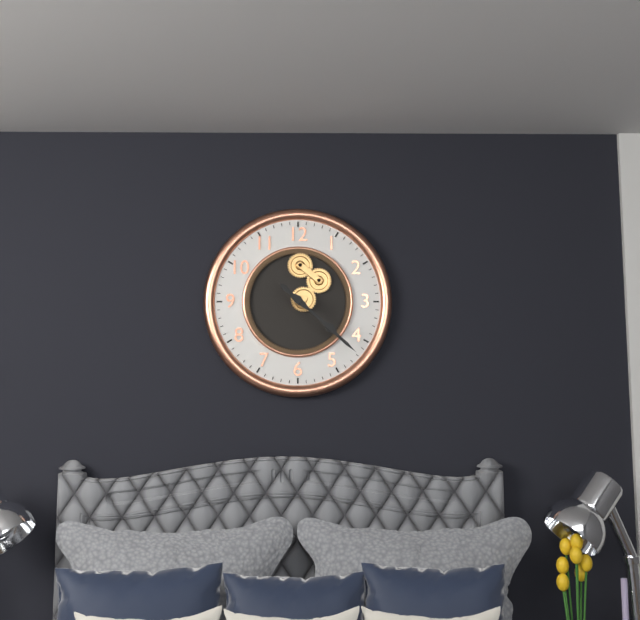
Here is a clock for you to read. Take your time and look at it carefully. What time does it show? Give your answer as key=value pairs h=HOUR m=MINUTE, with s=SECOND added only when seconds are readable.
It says h=4 m=22
